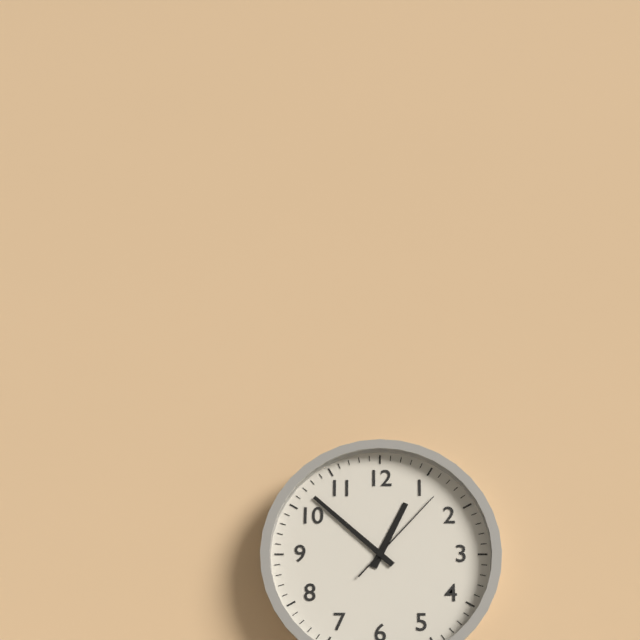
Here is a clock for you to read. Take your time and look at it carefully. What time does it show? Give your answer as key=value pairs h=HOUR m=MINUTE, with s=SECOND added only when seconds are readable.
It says h=12 m=52 s=7
